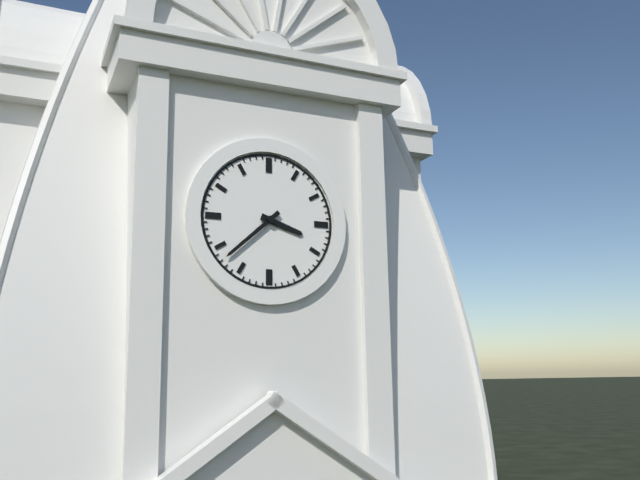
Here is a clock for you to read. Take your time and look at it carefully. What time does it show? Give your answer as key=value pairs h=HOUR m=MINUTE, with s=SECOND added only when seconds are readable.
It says h=3 m=38
